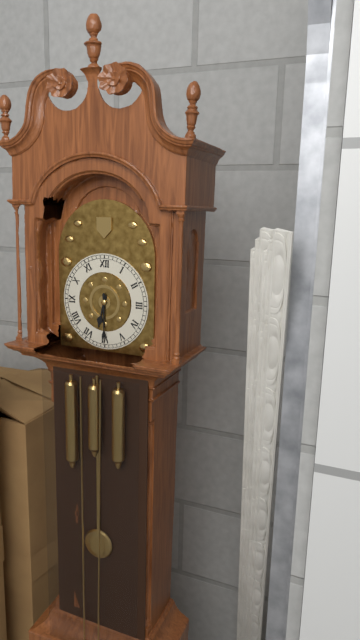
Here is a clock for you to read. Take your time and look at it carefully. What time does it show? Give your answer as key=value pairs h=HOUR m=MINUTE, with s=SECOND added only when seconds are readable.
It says h=6 m=30
